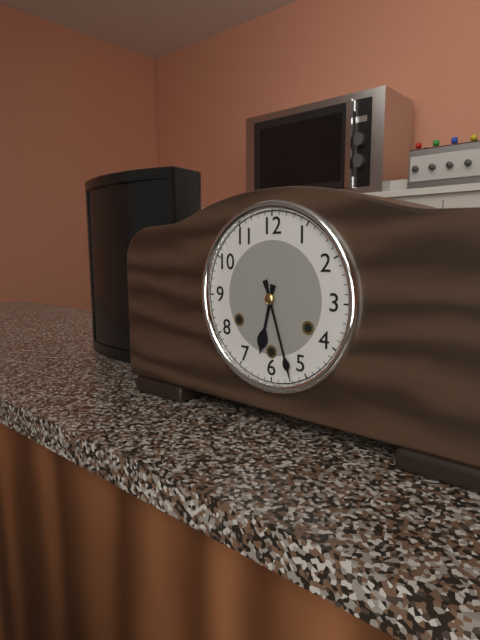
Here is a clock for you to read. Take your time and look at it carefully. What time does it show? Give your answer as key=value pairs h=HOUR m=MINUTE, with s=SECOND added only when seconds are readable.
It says h=6 m=27
